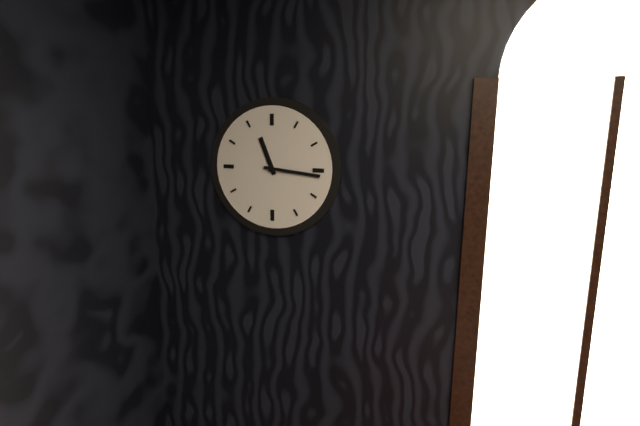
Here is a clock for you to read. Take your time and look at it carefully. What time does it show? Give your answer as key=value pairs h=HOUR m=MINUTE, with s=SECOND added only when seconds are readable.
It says h=11 m=16
